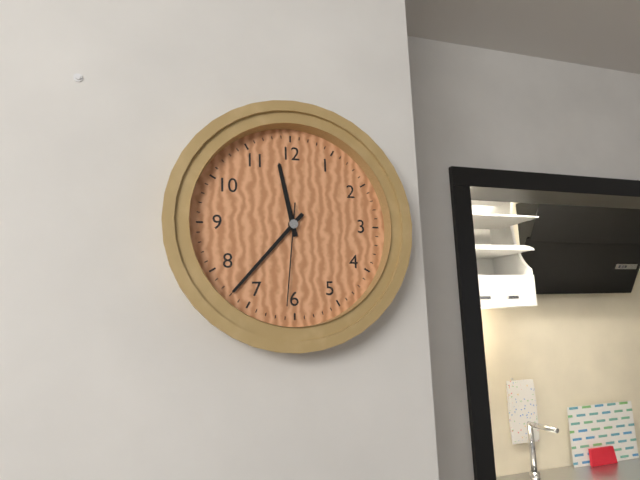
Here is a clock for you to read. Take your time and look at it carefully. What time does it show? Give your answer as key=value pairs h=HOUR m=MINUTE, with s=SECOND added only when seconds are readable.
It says h=11 m=37 s=31
